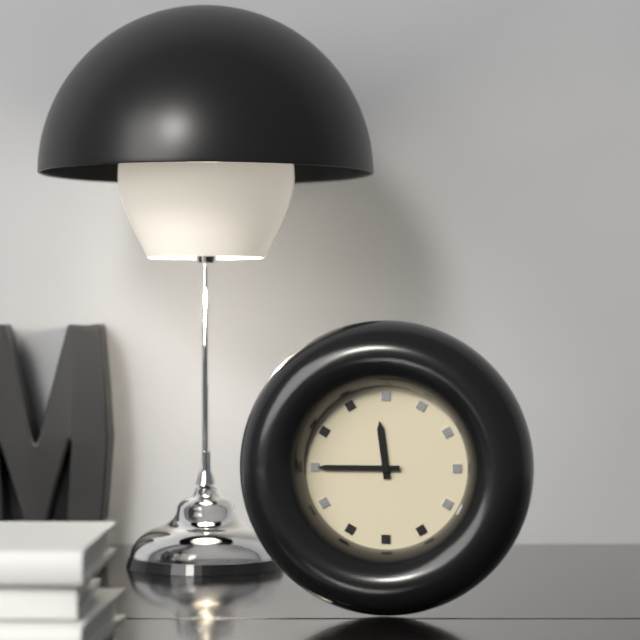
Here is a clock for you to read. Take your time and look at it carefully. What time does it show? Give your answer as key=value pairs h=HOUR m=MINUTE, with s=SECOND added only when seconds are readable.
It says h=11 m=45
